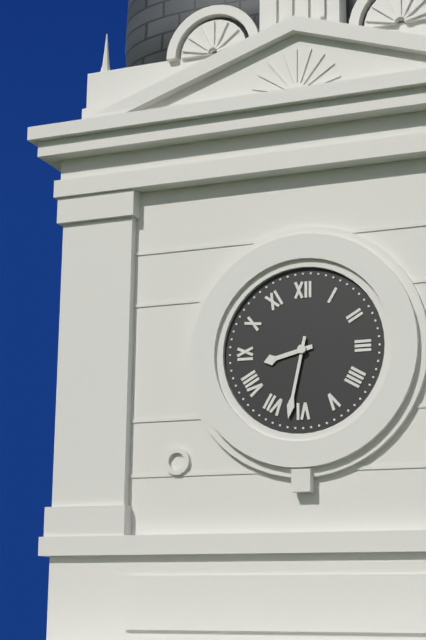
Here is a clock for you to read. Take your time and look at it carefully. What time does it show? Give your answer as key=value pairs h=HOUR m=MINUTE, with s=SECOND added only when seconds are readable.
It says h=8 m=32
